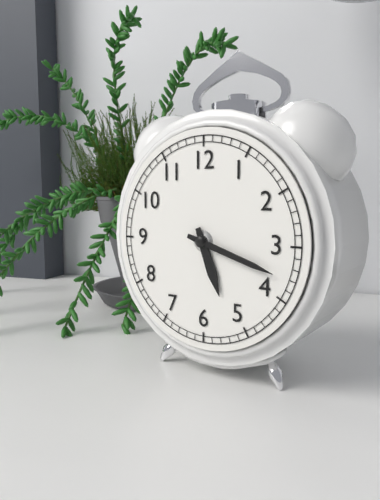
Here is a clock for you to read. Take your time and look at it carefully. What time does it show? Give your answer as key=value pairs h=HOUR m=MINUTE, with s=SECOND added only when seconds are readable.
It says h=5 m=18
